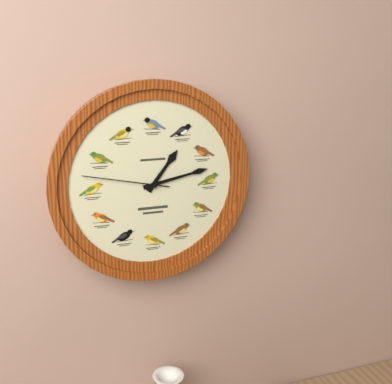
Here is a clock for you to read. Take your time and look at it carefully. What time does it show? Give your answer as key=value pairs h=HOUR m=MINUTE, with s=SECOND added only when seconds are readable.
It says h=1 m=13 s=47
